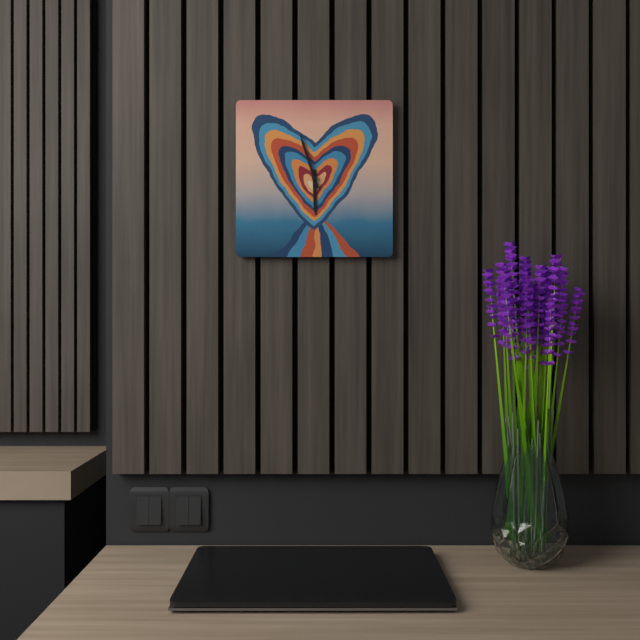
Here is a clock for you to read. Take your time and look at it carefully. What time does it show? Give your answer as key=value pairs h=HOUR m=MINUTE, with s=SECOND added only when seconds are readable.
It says h=5 m=57
